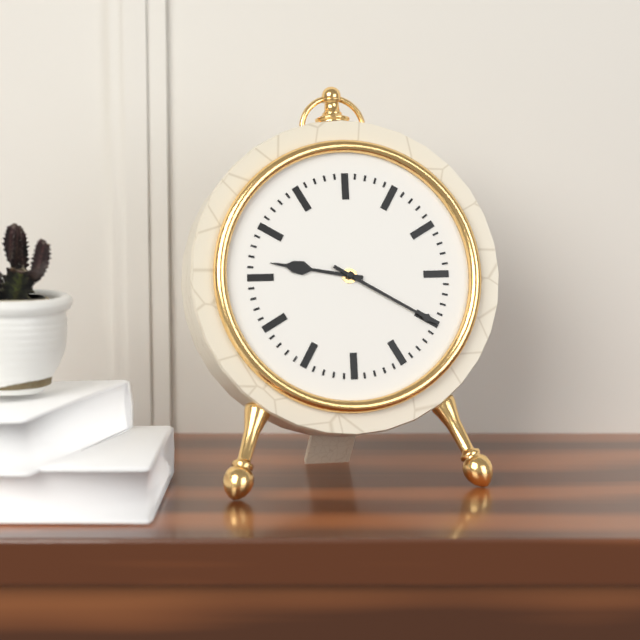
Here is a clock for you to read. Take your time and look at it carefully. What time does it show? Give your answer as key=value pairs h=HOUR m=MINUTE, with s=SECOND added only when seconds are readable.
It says h=9 m=20
